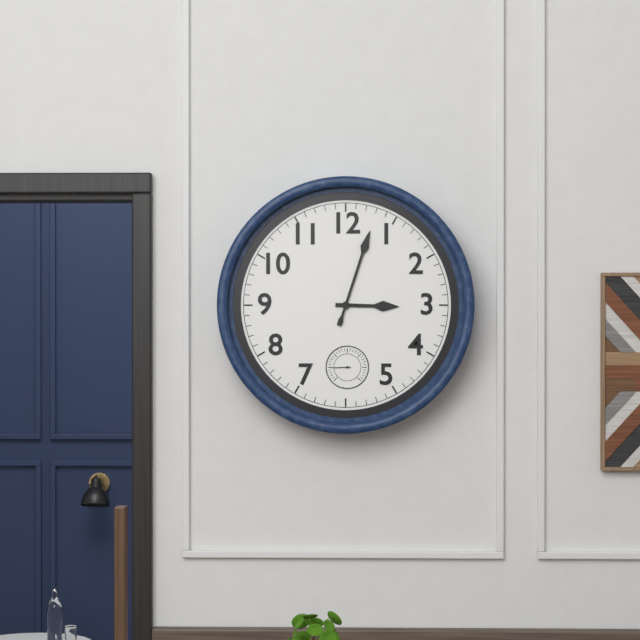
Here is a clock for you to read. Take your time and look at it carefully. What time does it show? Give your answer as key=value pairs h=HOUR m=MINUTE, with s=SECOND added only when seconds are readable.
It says h=3 m=3
